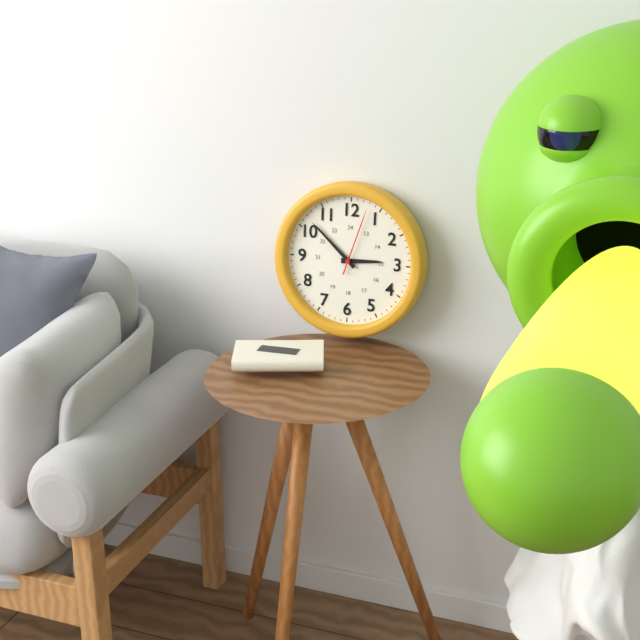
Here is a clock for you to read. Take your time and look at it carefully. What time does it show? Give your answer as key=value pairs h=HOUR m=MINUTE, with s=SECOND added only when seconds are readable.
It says h=2 m=52 s=3
